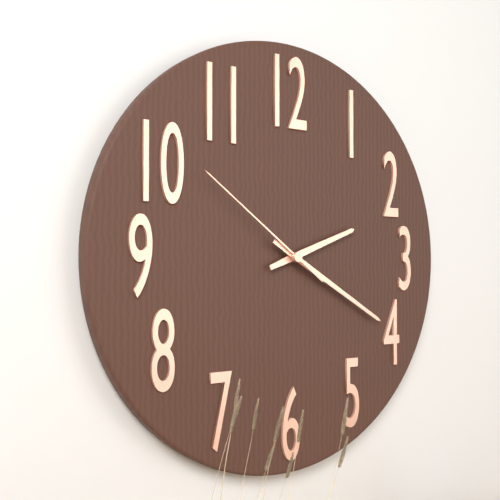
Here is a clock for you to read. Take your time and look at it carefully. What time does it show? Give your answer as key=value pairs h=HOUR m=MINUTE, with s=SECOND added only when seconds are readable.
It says h=2 m=20 s=51
